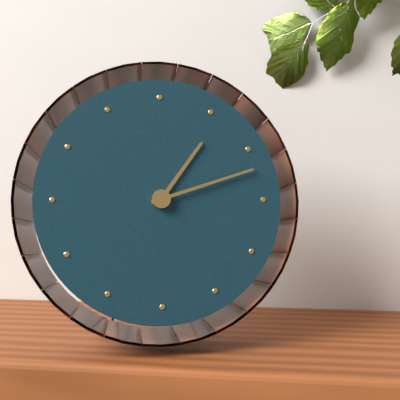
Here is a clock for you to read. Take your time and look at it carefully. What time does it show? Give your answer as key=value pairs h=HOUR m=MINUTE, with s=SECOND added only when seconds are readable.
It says h=1 m=12
